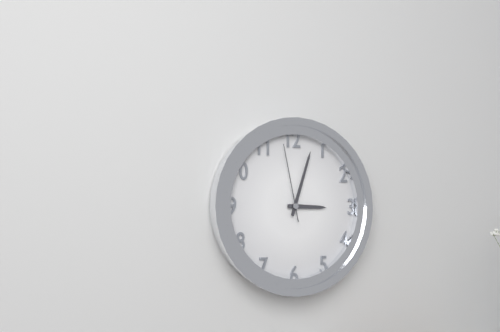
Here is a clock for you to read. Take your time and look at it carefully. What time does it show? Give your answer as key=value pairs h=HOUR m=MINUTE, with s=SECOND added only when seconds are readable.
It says h=3 m=3 s=58
